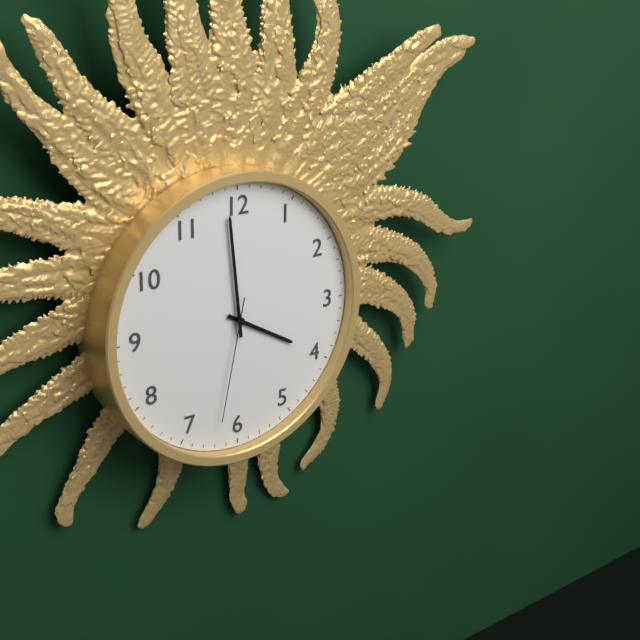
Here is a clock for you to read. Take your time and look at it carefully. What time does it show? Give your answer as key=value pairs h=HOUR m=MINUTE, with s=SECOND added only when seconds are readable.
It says h=3 m=59 s=32
